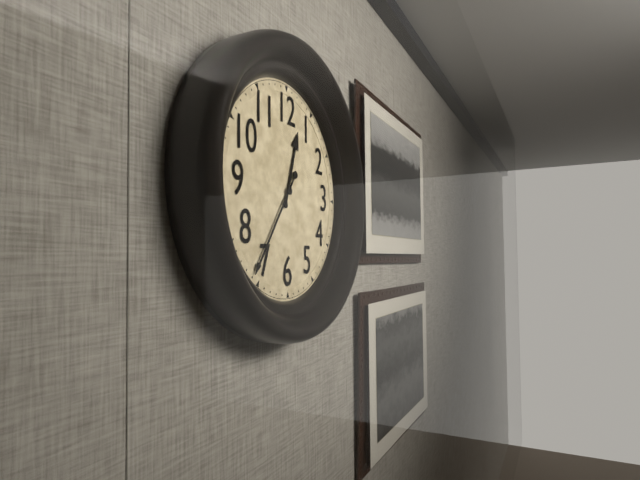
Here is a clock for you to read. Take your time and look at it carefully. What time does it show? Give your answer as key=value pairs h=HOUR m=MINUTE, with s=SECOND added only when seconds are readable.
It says h=12 m=36
